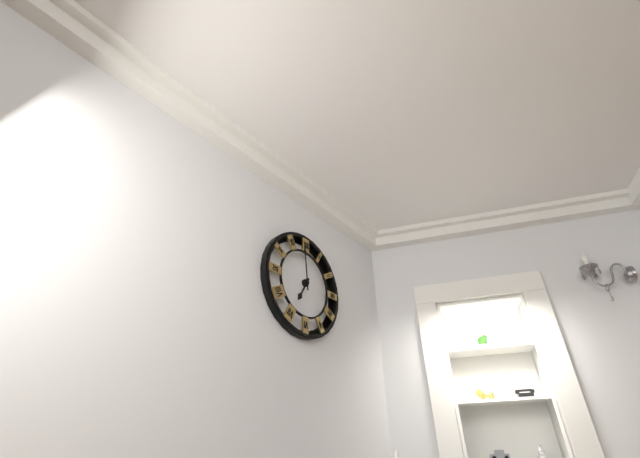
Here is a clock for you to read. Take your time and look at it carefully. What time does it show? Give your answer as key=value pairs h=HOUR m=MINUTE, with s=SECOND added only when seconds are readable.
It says h=6 m=59
